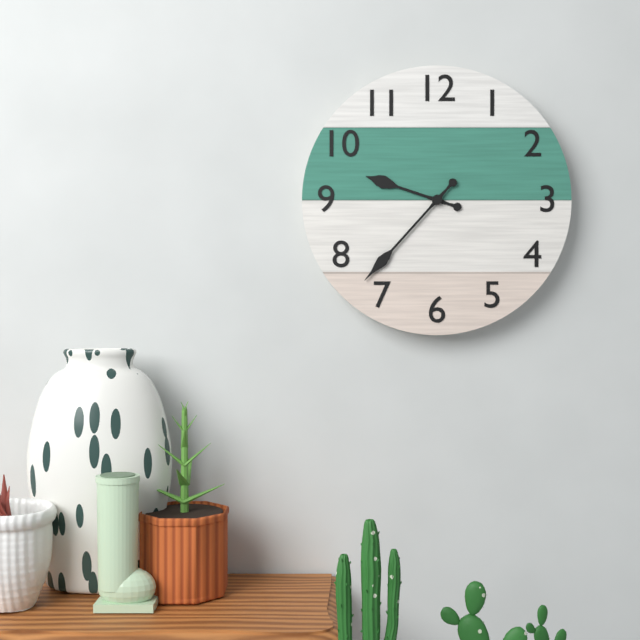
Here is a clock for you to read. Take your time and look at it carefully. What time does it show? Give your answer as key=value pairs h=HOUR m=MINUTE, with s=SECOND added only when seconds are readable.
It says h=9 m=37
